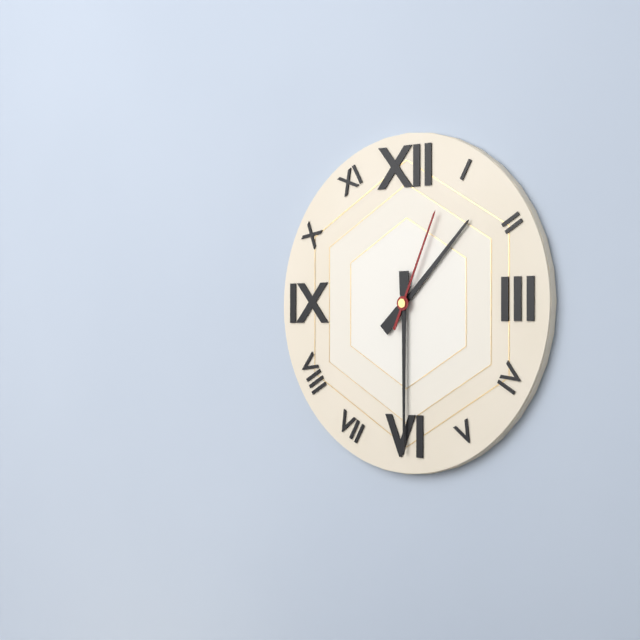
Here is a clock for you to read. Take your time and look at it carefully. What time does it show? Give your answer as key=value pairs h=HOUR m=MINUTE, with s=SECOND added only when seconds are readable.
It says h=1 m=30 s=4
